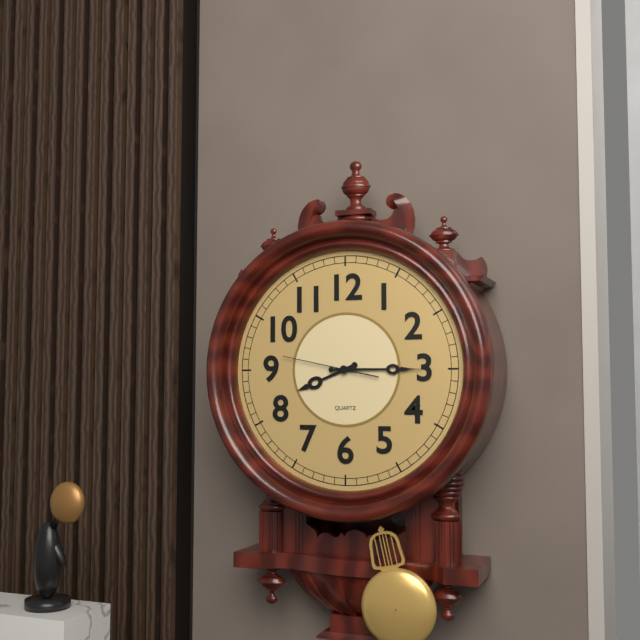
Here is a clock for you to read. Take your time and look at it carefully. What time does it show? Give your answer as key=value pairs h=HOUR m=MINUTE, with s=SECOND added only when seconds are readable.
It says h=8 m=15 s=47
